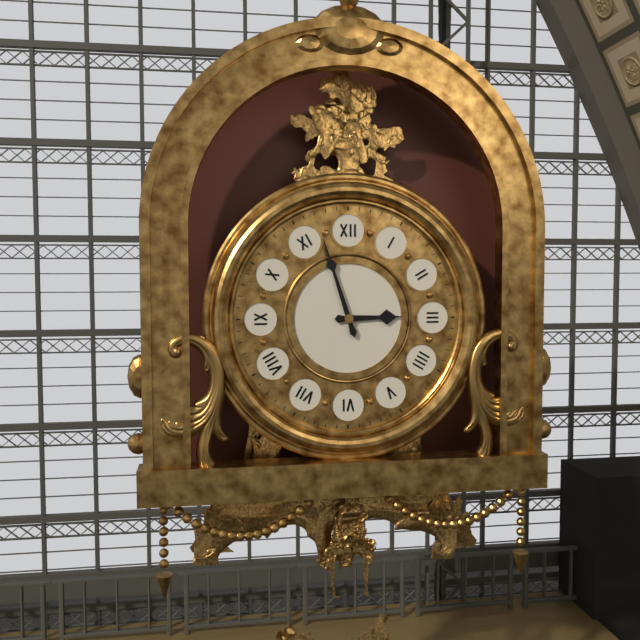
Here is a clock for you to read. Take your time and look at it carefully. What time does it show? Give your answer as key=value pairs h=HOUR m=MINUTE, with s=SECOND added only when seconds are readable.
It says h=2 m=57
